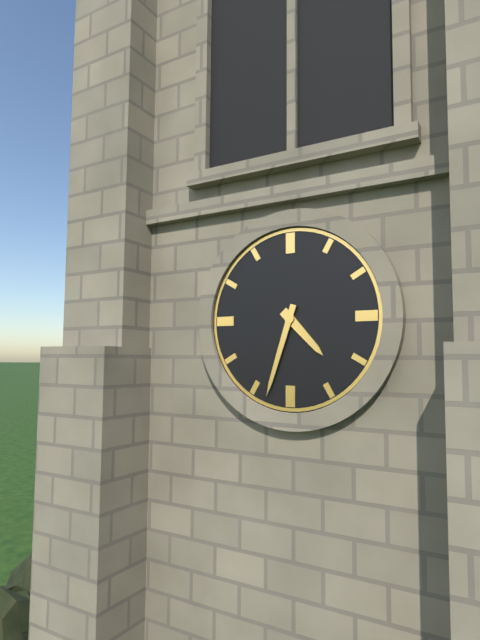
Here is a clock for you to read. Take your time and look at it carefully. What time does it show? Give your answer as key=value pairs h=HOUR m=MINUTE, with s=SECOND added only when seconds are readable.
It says h=4 m=33
